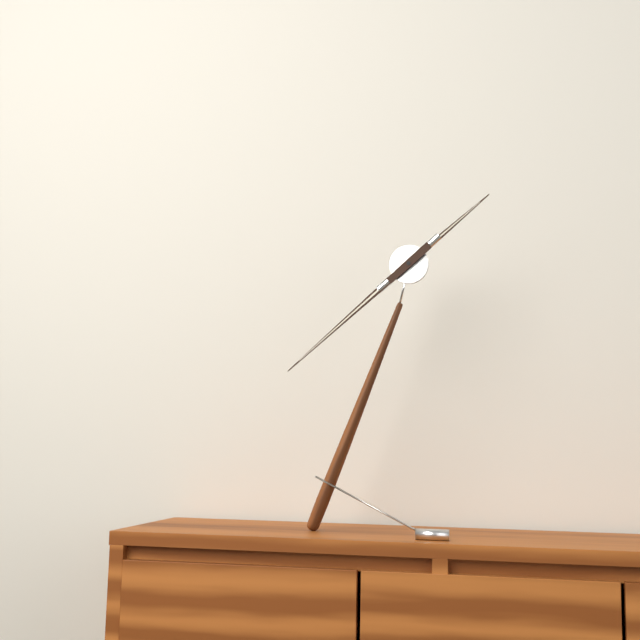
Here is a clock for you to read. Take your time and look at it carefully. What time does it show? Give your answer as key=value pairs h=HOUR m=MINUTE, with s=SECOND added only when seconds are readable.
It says h=1 m=38
